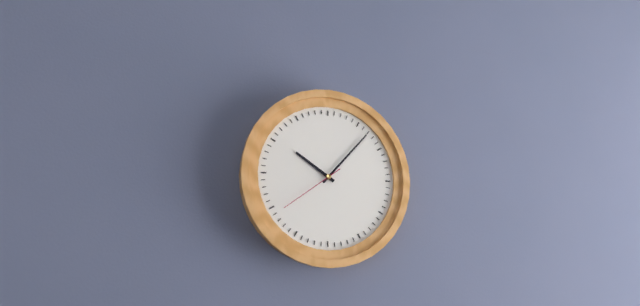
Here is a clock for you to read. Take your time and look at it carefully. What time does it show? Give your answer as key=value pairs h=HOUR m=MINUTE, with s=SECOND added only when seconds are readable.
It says h=10 m=7 s=39
